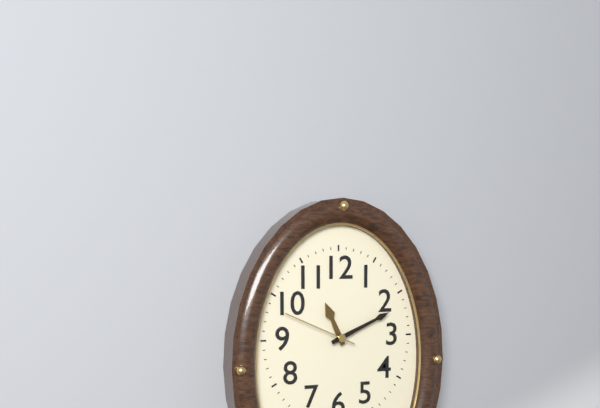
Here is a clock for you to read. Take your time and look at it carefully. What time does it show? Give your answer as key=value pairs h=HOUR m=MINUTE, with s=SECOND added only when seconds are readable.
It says h=11 m=11 s=49
